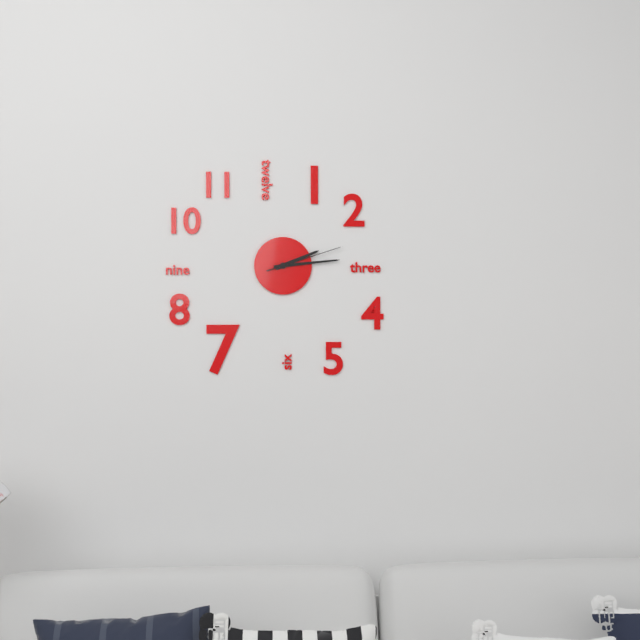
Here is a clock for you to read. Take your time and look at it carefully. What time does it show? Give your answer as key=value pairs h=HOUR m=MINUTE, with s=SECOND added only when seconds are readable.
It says h=2 m=14 s=12
